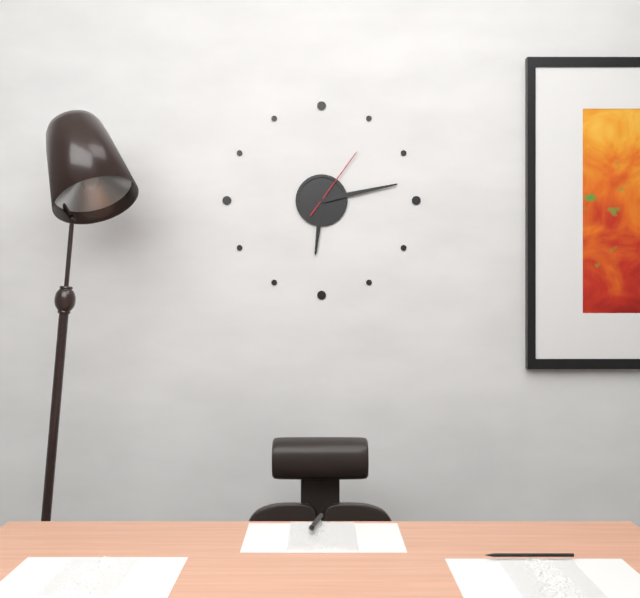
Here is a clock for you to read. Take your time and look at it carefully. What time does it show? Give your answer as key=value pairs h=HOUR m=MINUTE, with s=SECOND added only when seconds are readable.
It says h=6 m=13 s=6
